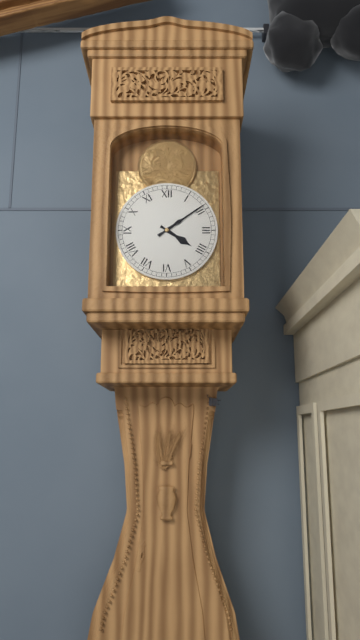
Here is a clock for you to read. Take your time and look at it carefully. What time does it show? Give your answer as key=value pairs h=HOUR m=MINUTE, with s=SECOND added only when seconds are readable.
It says h=4 m=9
